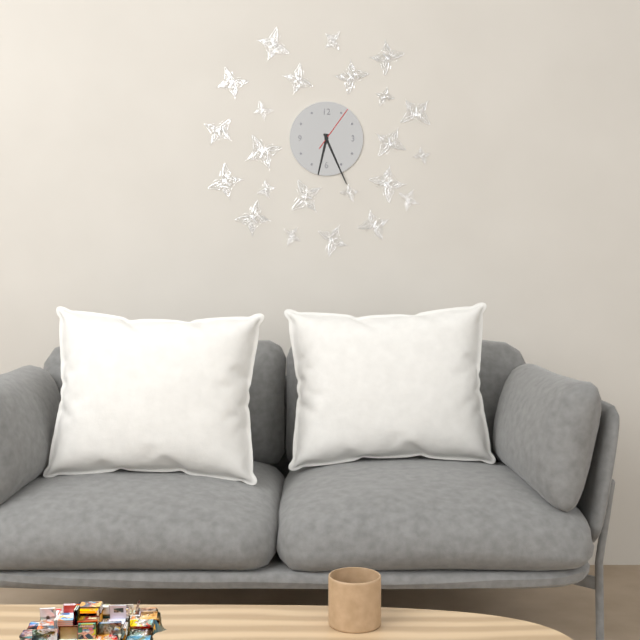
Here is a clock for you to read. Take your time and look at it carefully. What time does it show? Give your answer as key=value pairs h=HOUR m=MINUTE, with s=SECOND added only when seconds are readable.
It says h=6 m=26
